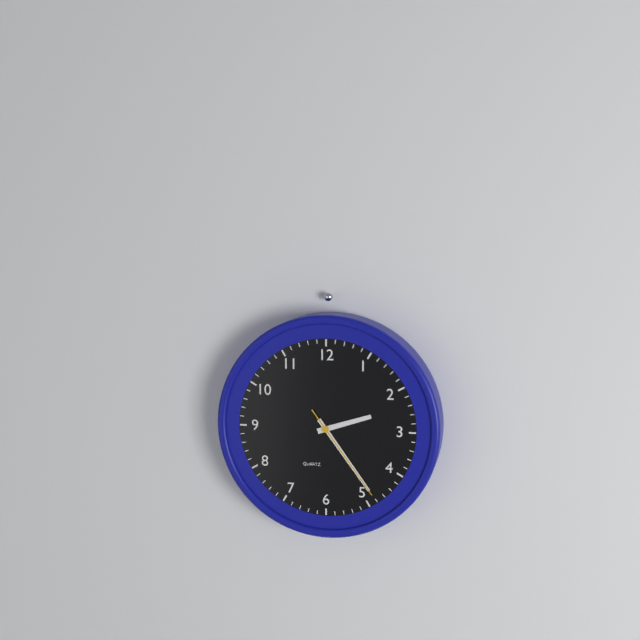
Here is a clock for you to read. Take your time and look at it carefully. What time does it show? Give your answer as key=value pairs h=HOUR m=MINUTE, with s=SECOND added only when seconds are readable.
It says h=2 m=24 s=24
